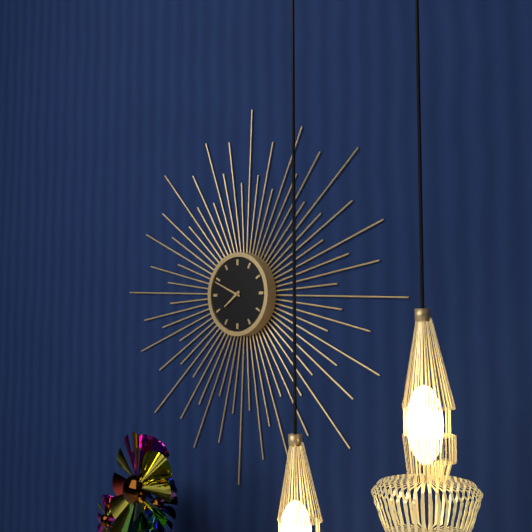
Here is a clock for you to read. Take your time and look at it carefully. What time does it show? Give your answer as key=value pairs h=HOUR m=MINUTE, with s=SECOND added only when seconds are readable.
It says h=7 m=49
